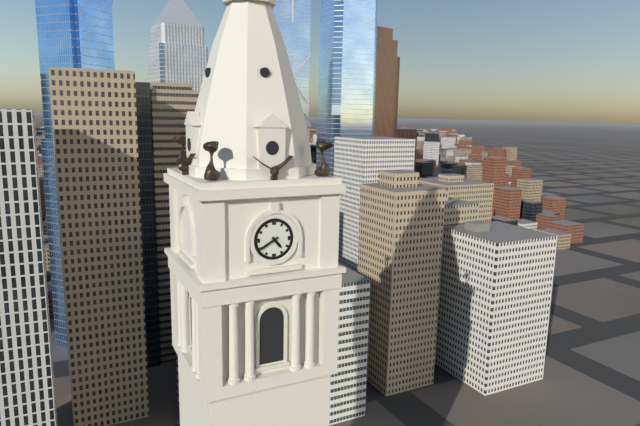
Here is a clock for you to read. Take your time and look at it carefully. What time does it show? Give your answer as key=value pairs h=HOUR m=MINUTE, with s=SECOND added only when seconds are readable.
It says h=4 m=40
